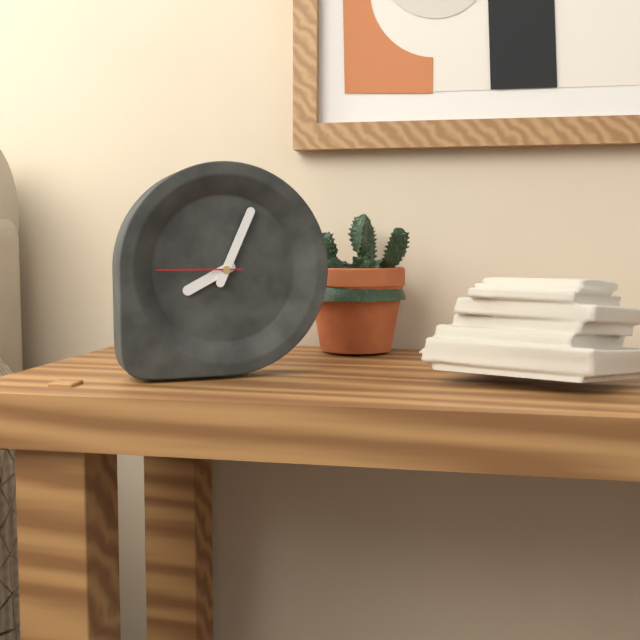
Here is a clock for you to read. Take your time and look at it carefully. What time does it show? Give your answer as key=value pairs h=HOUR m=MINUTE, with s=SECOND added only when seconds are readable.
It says h=8 m=4 s=45
